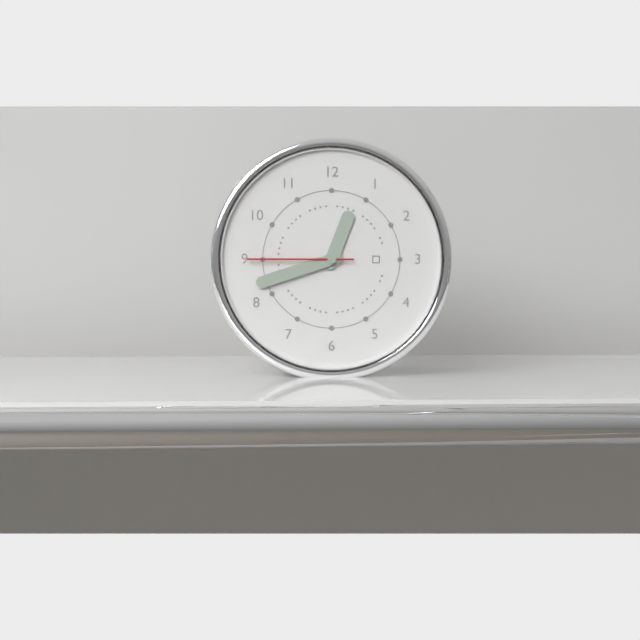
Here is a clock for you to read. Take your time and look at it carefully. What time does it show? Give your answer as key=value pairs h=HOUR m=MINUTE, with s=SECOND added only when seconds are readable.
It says h=12 m=42 s=45
